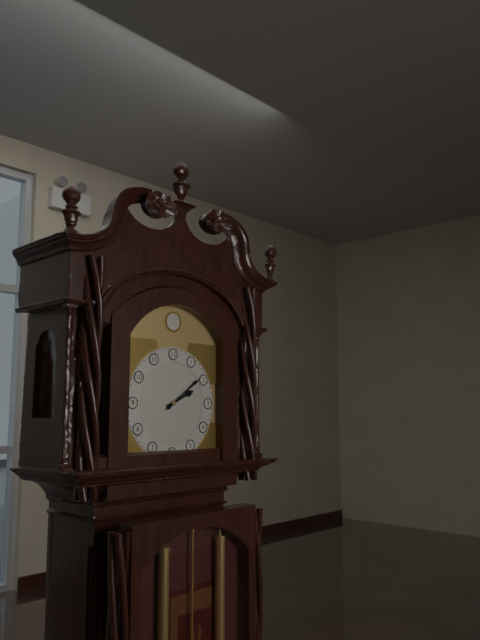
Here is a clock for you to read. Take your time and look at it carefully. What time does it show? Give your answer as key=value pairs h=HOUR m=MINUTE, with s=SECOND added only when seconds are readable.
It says h=2 m=9
